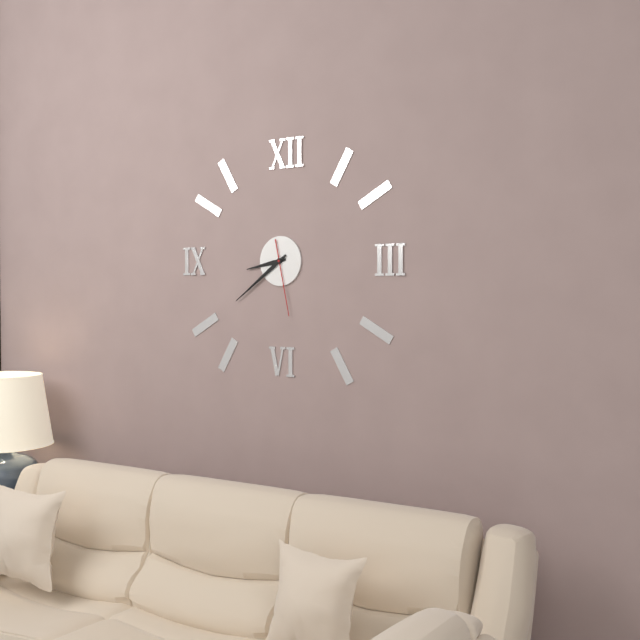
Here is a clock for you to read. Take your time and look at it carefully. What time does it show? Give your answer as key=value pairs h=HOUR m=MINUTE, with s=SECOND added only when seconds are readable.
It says h=8 m=39 s=28
